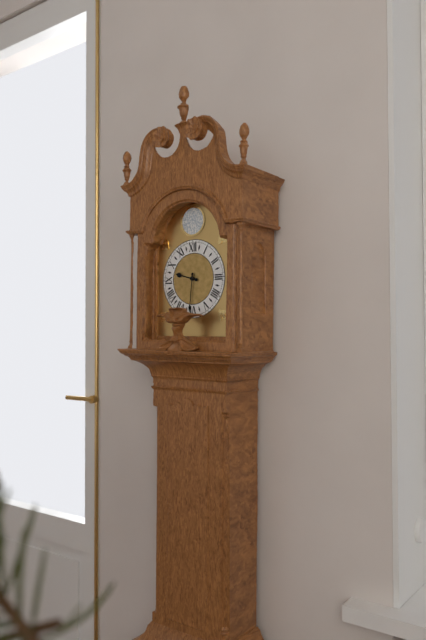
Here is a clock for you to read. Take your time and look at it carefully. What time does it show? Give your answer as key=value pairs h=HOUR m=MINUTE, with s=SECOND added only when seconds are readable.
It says h=9 m=31
